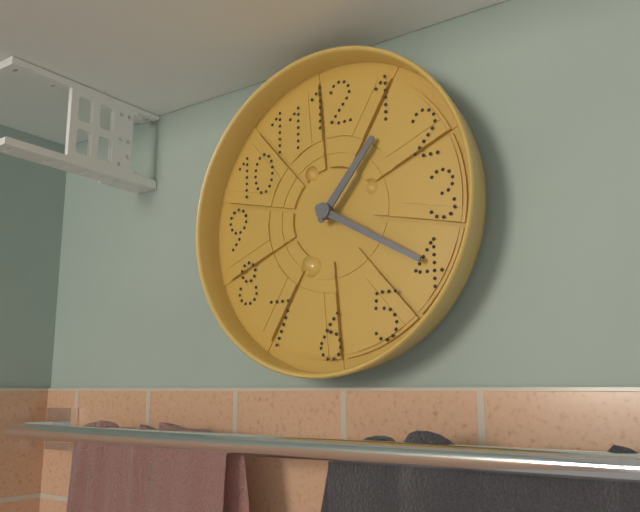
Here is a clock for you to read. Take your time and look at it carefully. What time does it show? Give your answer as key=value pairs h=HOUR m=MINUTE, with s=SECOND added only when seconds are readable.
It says h=1 m=20
